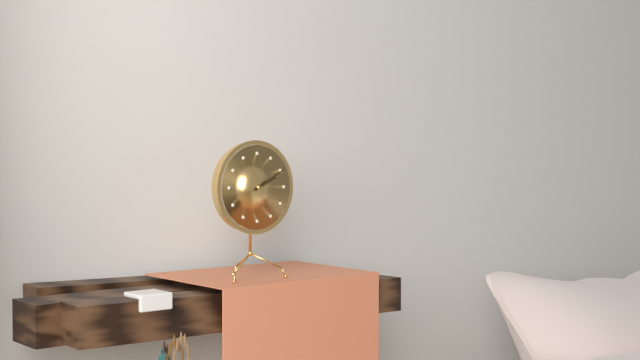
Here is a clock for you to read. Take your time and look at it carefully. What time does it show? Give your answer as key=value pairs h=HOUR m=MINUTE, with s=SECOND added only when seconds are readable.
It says h=2 m=10
